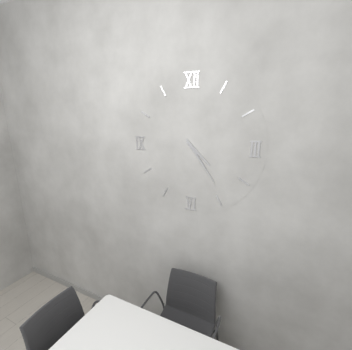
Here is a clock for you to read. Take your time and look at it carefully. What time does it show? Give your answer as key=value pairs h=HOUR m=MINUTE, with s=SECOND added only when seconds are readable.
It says h=4 m=24
